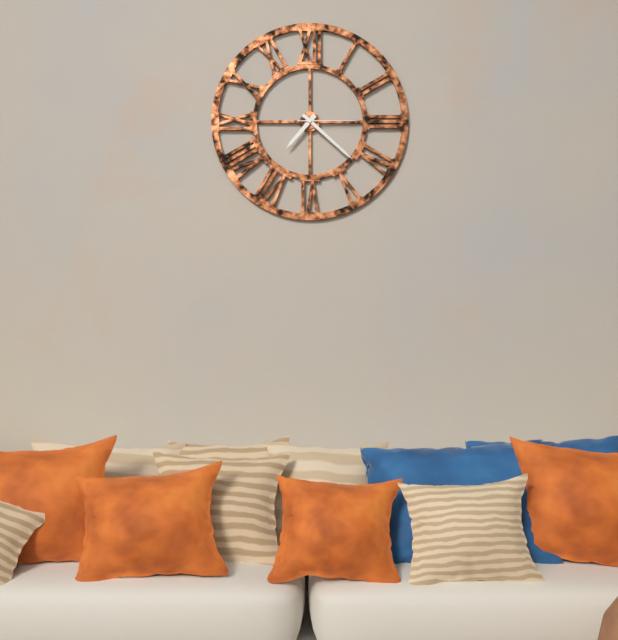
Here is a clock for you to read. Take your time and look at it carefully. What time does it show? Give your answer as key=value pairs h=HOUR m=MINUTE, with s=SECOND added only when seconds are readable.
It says h=7 m=22 s=15
